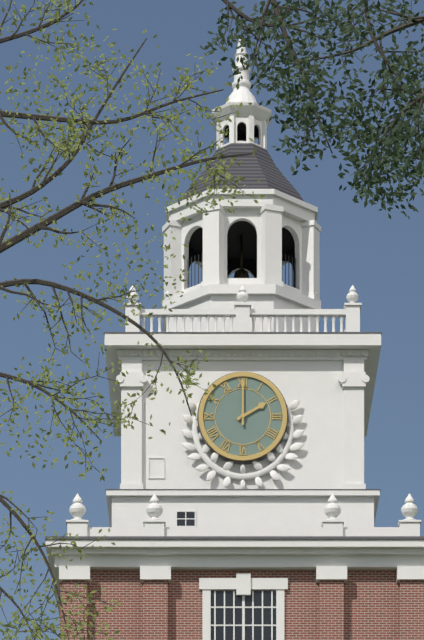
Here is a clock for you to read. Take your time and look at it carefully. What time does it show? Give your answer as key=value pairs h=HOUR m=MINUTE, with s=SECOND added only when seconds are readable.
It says h=2 m=0
